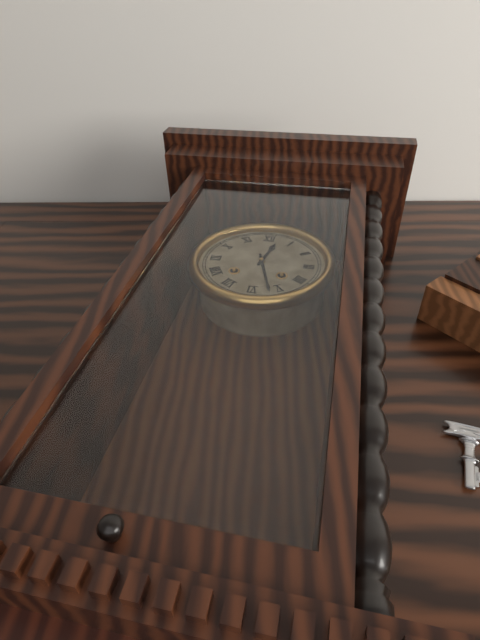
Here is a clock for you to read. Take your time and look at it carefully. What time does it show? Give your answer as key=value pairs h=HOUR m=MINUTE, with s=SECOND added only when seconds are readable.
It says h=12 m=27
